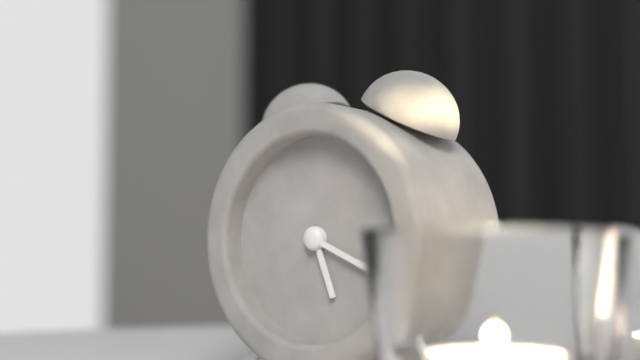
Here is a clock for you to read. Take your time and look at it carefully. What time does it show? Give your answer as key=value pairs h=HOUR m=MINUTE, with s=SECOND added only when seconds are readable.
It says h=5 m=19
